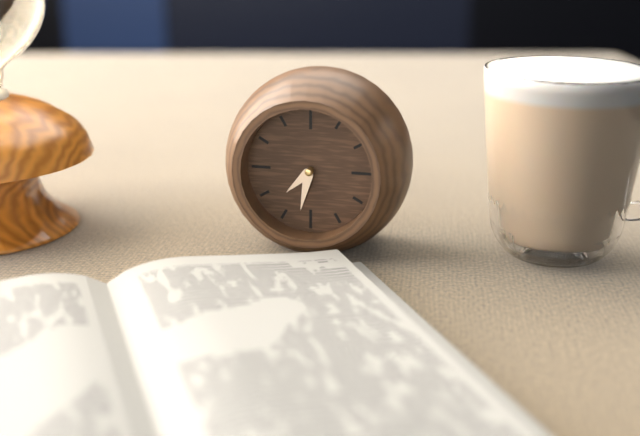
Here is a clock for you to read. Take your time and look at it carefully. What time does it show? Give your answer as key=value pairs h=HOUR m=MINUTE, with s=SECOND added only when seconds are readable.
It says h=7 m=32
